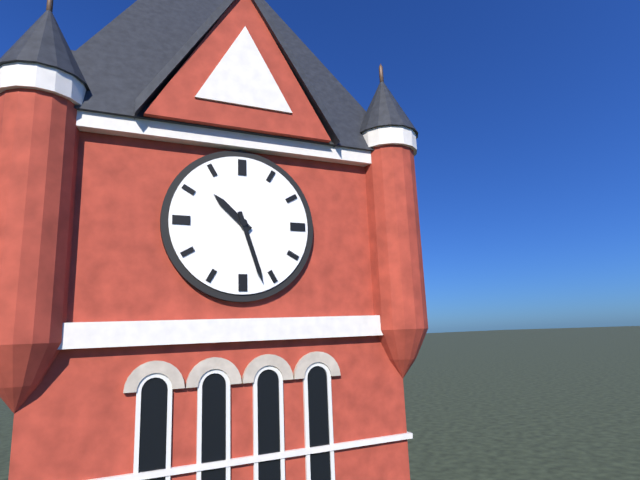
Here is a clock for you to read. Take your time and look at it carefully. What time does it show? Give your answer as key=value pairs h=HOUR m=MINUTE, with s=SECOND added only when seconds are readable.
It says h=10 m=27
